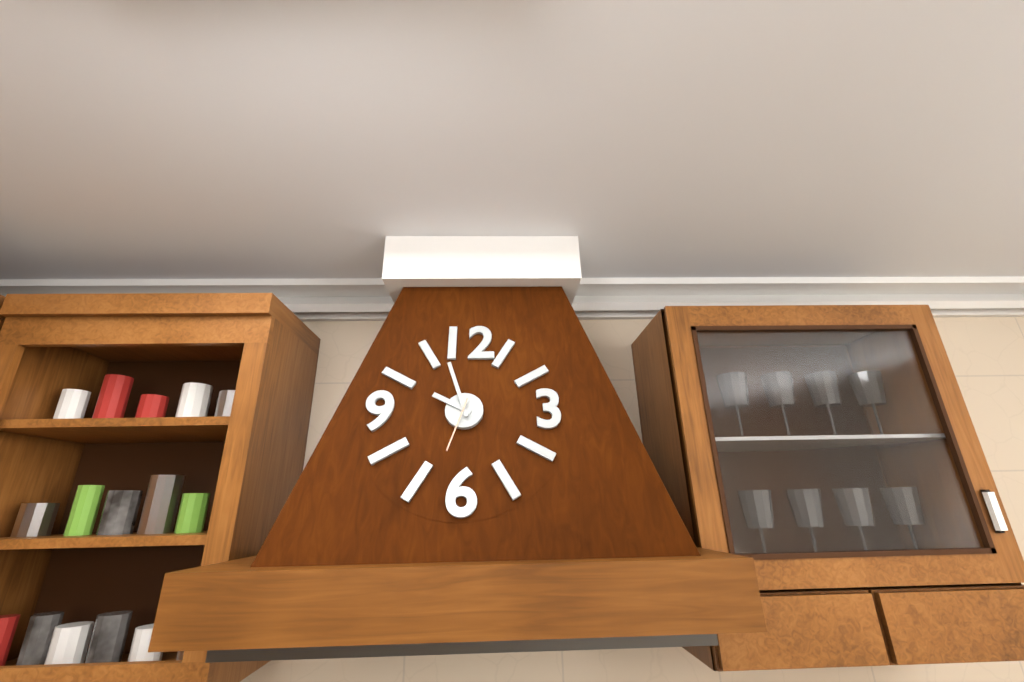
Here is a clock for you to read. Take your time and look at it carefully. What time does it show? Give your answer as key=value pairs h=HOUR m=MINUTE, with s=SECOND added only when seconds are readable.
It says h=9 m=57 s=33
